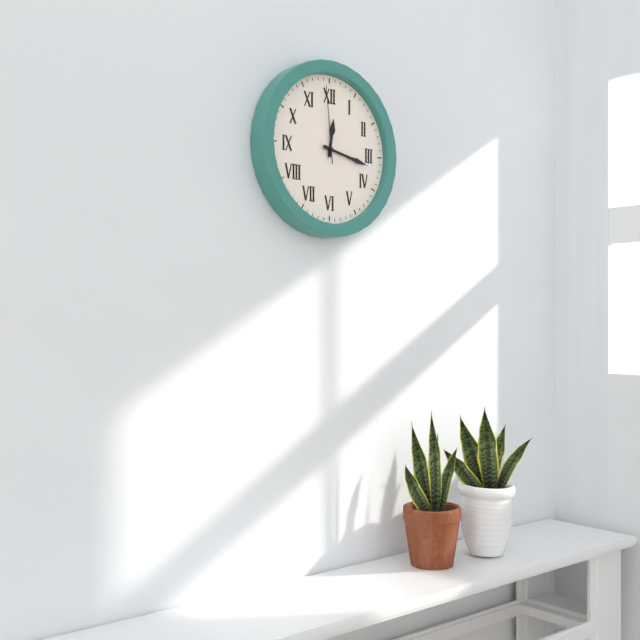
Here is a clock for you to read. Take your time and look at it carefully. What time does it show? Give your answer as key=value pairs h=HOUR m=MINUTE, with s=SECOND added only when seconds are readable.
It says h=12 m=17 s=59
